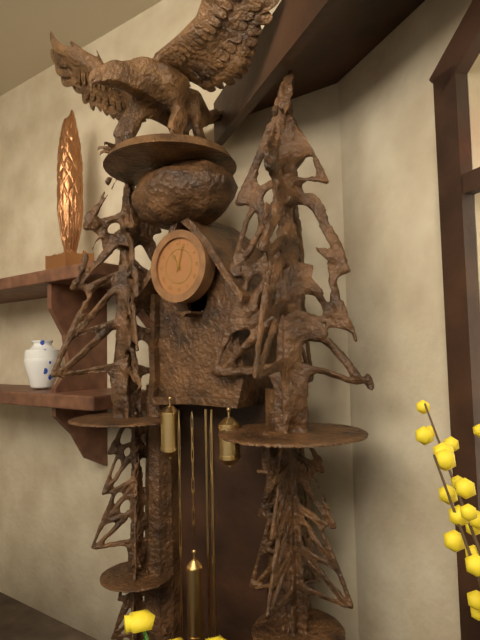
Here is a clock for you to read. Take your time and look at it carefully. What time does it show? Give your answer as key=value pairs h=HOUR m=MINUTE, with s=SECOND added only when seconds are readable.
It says h=11 m=3
